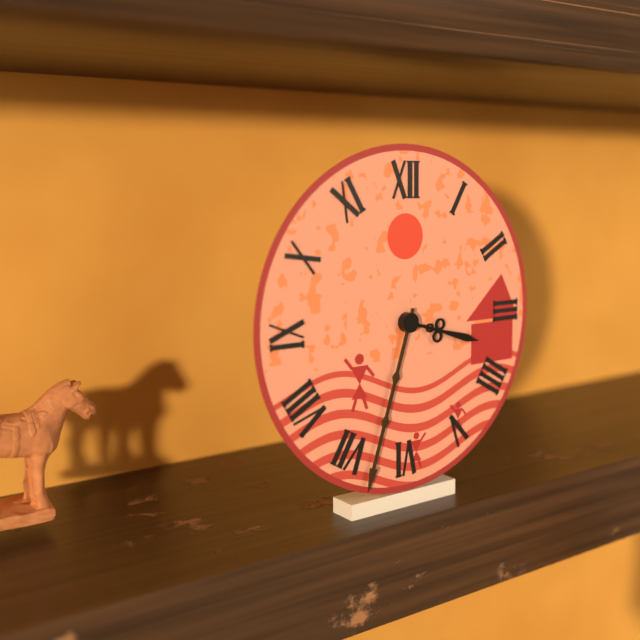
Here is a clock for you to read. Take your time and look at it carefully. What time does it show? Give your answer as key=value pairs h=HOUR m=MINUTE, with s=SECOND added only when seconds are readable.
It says h=3 m=33
